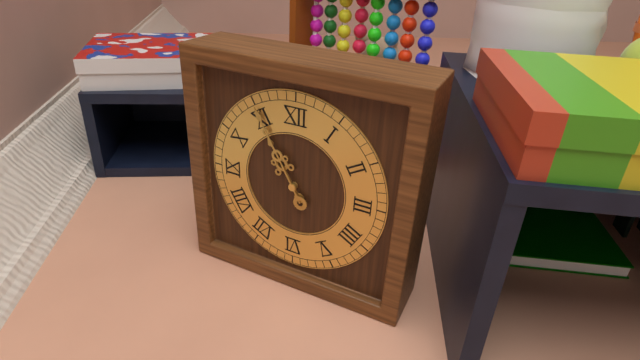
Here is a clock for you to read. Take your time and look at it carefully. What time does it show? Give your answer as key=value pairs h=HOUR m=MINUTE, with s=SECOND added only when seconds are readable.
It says h=10 m=55
